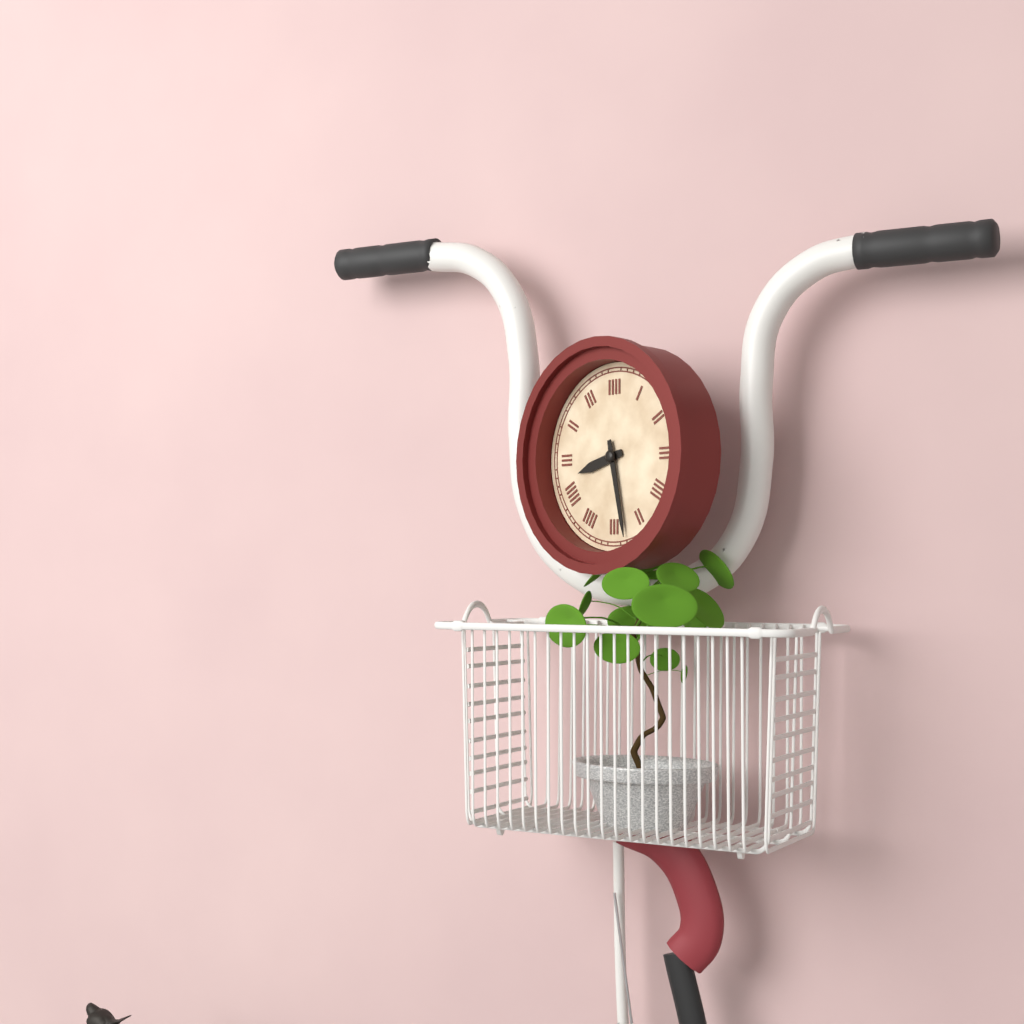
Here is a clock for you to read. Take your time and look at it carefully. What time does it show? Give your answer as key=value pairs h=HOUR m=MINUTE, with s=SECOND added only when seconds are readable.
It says h=8 m=28
